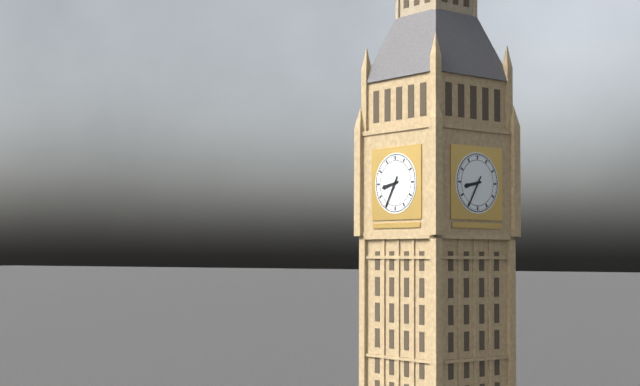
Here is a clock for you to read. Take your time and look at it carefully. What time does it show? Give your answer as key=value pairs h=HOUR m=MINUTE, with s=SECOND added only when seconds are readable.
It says h=8 m=35
